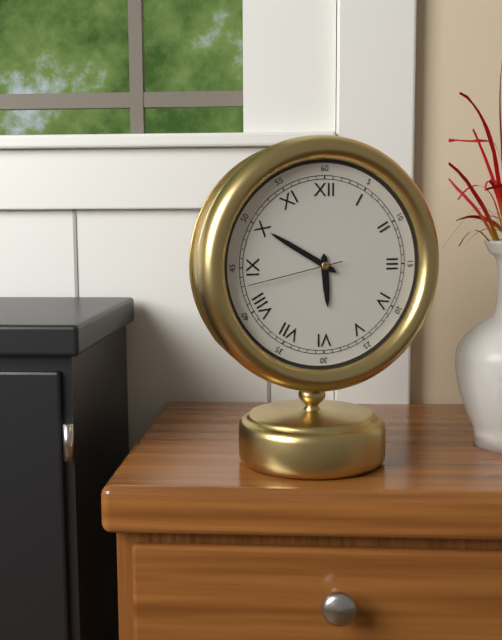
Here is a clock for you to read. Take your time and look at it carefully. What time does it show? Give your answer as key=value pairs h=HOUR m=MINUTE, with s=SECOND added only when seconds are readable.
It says h=5 m=50 s=43
